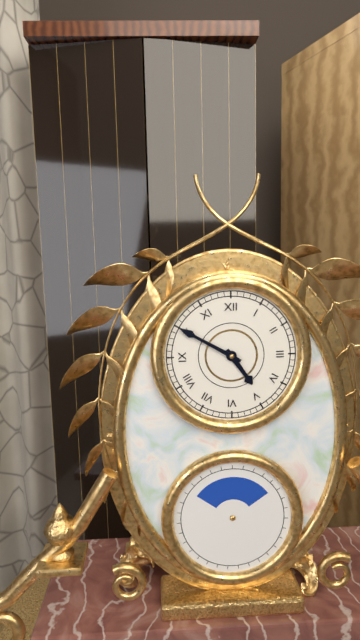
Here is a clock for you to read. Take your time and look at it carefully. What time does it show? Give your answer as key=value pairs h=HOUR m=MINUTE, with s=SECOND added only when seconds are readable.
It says h=4 m=50
